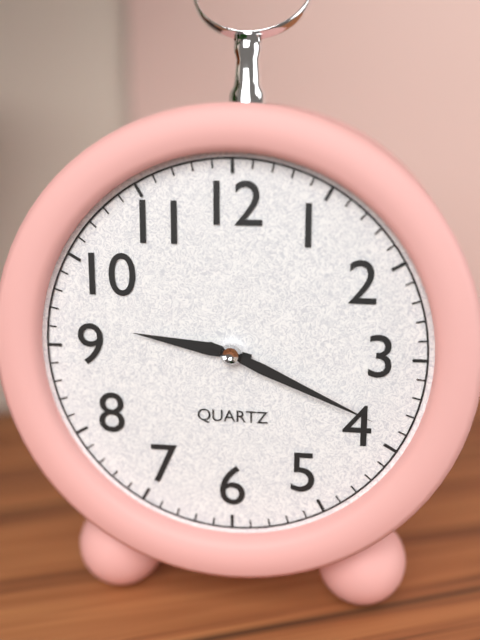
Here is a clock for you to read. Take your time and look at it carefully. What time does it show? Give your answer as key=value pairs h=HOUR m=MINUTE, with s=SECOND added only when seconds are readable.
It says h=9 m=19
